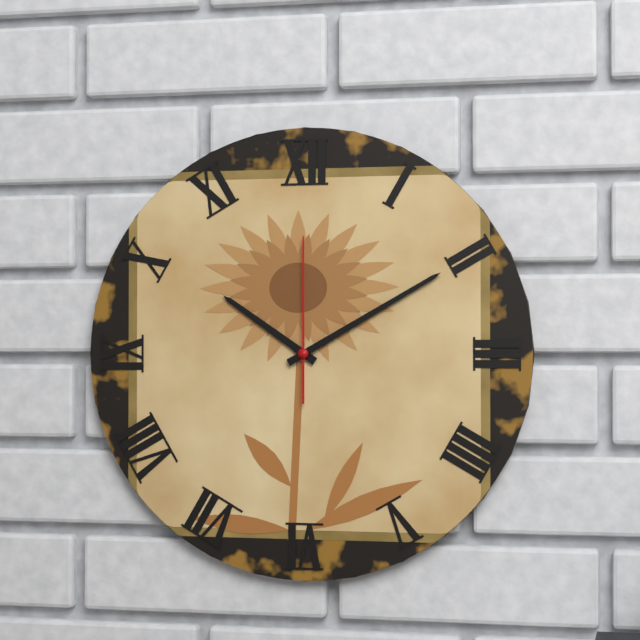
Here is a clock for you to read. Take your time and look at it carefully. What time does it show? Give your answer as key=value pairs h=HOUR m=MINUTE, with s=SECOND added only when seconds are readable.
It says h=10 m=10 s=0
